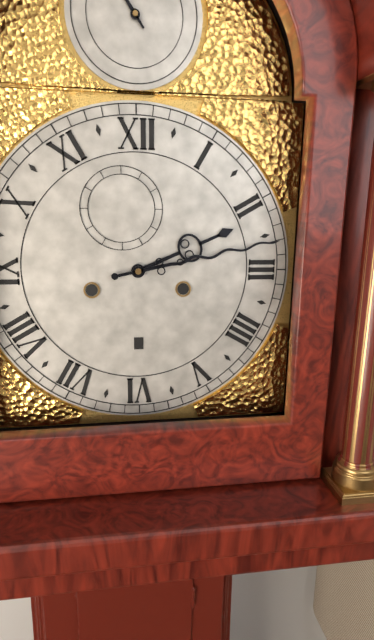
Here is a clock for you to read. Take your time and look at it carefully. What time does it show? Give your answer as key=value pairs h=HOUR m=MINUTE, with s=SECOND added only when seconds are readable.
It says h=2 m=13
